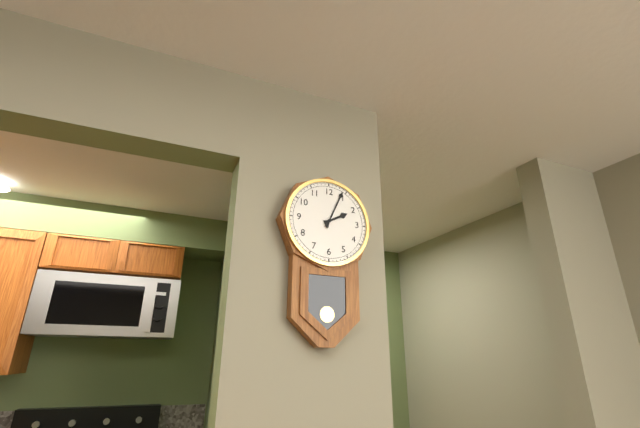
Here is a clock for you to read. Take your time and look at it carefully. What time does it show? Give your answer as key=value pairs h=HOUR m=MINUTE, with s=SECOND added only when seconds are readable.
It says h=2 m=4
